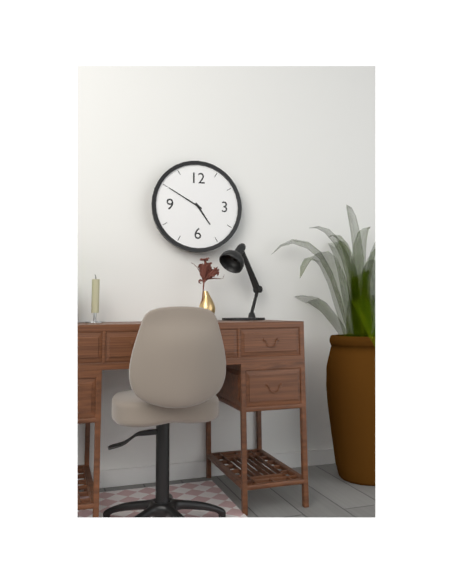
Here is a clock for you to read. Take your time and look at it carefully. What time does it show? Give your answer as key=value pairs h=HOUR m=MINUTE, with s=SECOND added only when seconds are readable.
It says h=4 m=50
